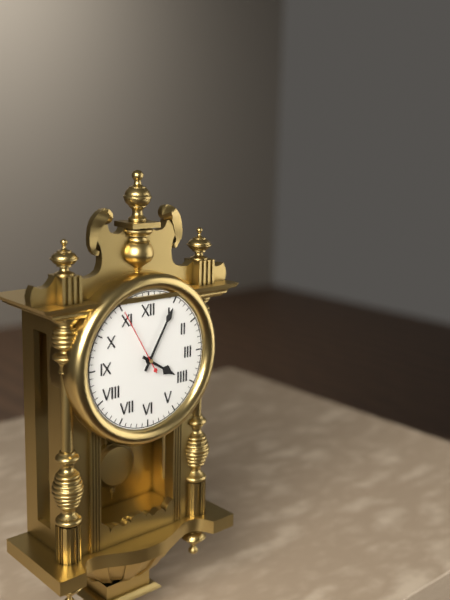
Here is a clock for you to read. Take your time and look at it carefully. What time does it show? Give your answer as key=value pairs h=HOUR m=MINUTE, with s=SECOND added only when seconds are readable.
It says h=4 m=5 s=55
